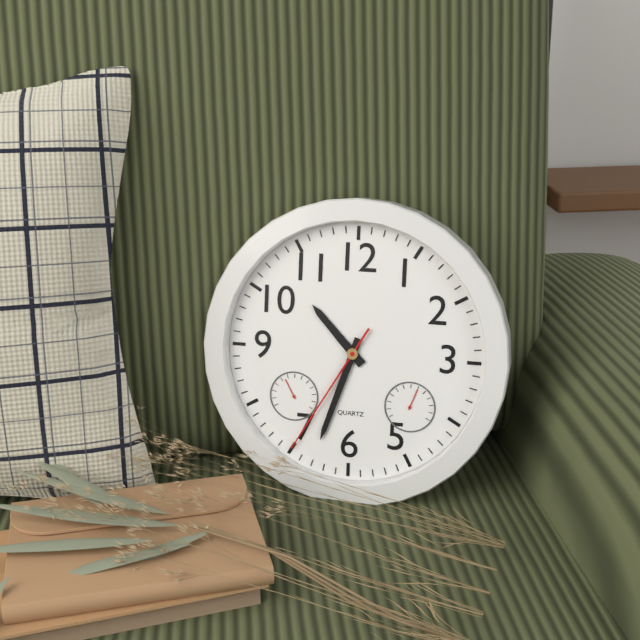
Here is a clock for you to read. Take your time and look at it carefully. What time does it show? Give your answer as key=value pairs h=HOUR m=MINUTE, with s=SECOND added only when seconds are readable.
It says h=10 m=33 s=35
